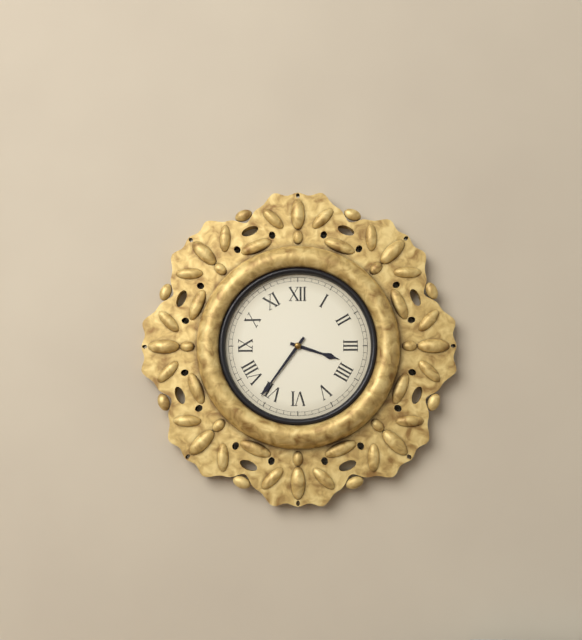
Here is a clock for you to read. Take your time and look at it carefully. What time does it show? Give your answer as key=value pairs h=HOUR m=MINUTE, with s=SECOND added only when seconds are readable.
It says h=3 m=36
